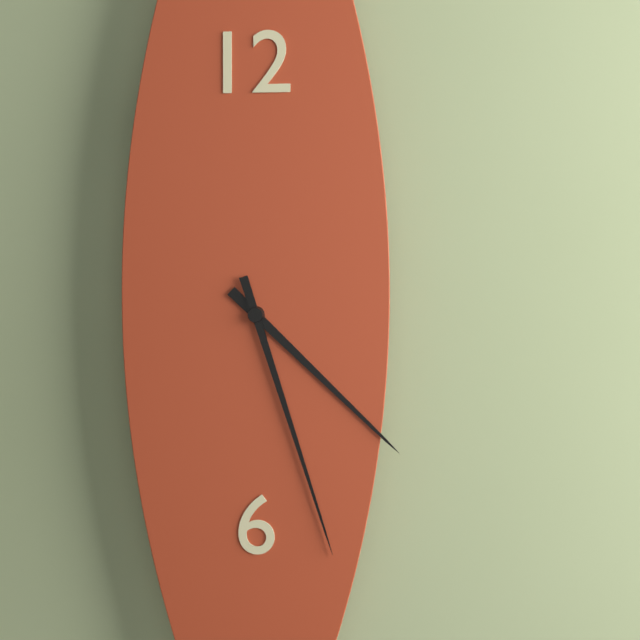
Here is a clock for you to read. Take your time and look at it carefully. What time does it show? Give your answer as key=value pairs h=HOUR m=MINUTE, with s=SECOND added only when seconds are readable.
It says h=4 m=27
